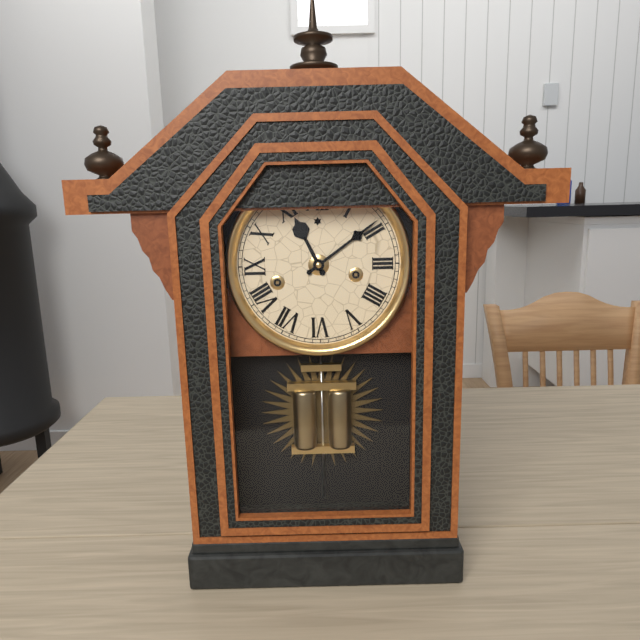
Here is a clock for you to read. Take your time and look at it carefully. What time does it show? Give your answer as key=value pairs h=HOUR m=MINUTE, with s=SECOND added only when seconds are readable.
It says h=11 m=9
